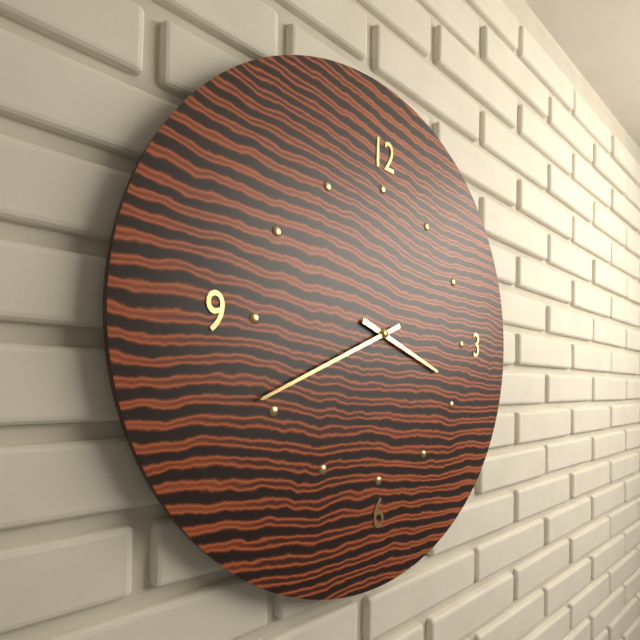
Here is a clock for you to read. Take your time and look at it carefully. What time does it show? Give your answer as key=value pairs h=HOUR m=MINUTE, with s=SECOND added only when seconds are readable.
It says h=3 m=41
